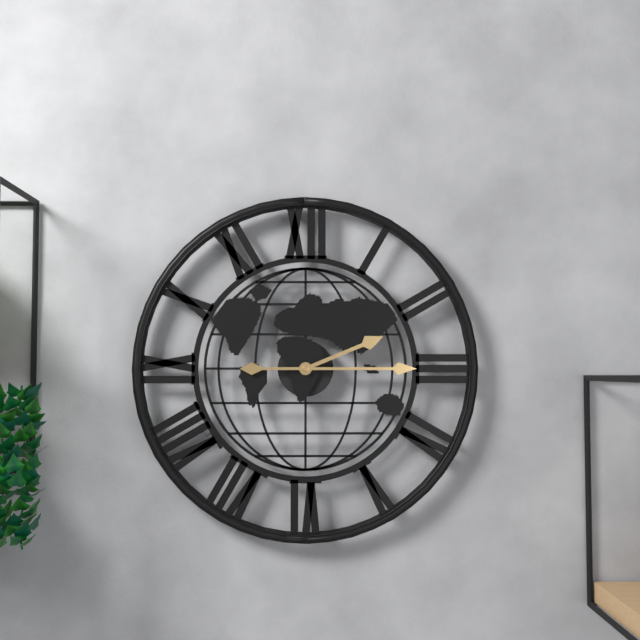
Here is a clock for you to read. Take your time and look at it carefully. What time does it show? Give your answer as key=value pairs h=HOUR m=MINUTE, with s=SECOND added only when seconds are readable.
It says h=2 m=15
